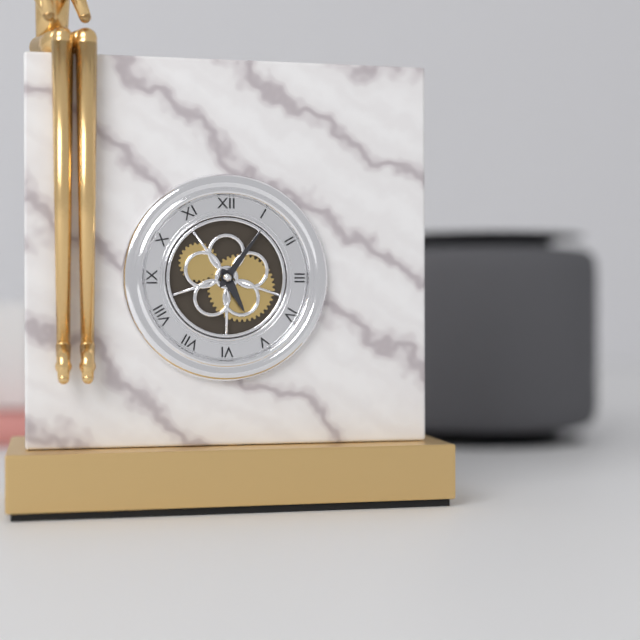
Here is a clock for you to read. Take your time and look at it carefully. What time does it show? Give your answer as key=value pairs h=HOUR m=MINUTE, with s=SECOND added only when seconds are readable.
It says h=5 m=6
